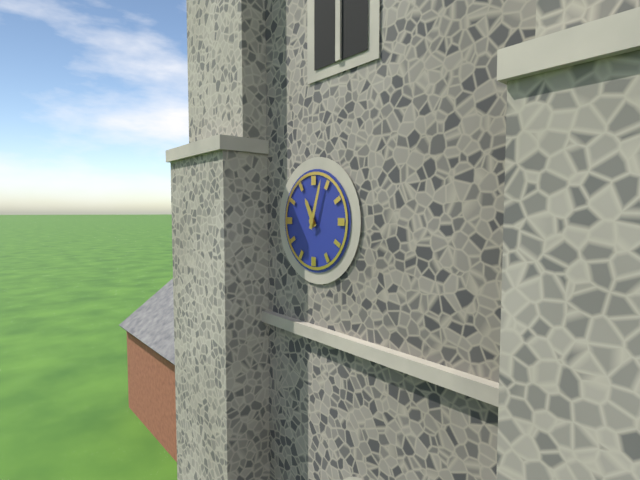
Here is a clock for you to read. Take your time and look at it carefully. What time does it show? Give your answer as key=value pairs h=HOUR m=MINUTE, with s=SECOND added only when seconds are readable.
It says h=11 m=3
